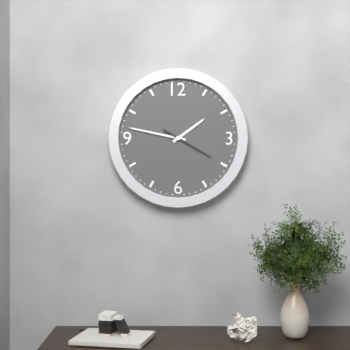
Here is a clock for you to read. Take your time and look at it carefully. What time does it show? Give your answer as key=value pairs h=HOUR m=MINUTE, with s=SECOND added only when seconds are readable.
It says h=1 m=47
